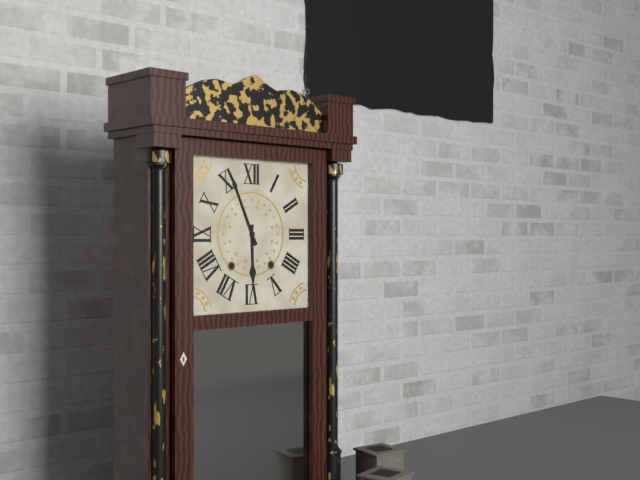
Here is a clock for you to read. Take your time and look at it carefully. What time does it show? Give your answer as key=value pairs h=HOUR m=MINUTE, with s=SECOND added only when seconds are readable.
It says h=5 m=56
